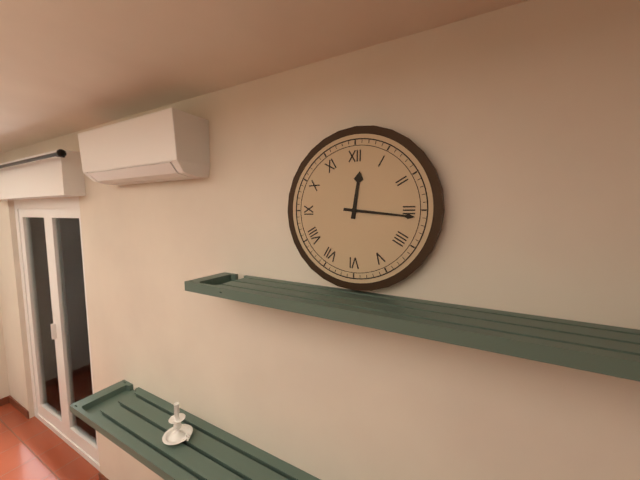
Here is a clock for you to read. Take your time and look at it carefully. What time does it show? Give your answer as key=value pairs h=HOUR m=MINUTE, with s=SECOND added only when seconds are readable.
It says h=12 m=16
